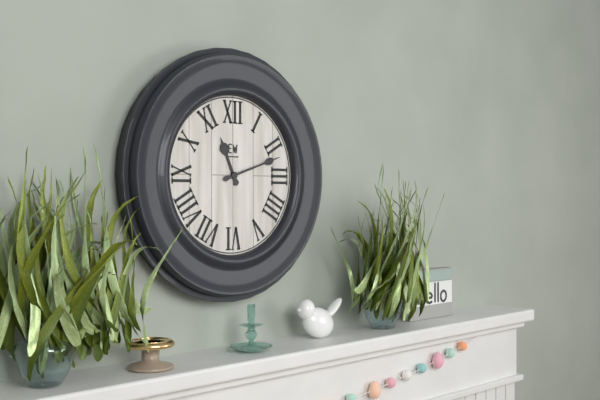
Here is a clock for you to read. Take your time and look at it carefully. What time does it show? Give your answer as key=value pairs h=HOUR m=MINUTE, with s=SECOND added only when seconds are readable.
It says h=11 m=12
